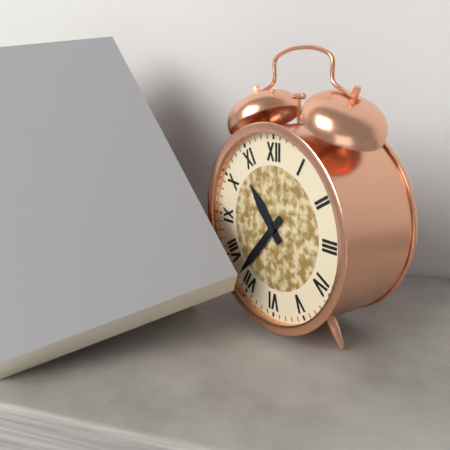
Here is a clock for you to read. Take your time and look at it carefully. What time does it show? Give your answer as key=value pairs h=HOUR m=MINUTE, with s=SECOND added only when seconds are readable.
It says h=10 m=37
